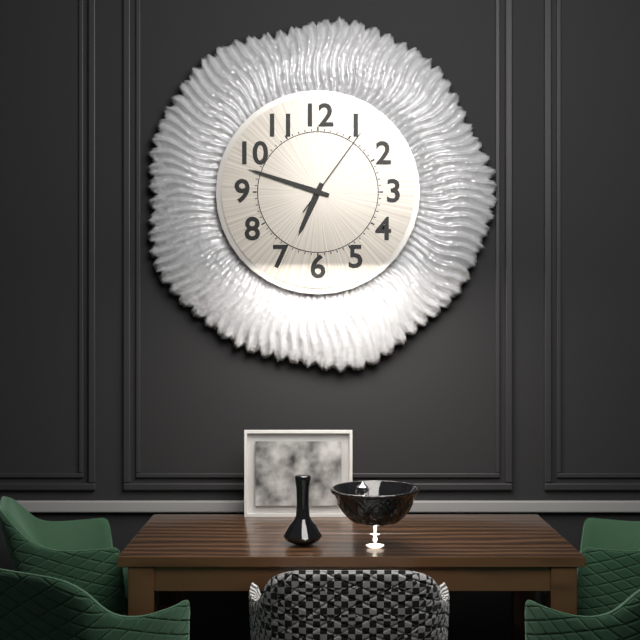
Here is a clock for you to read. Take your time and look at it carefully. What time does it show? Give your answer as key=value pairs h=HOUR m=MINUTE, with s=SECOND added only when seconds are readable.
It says h=6 m=48 s=6
